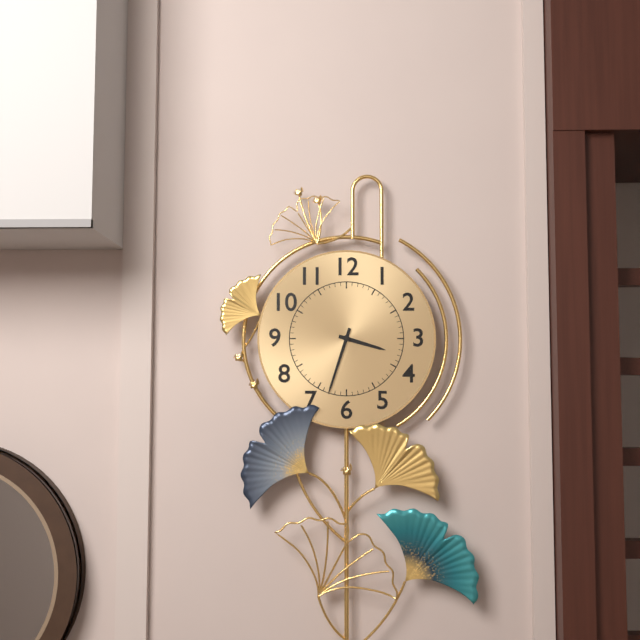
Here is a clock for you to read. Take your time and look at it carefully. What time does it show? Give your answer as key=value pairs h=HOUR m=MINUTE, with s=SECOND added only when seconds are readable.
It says h=3 m=33
